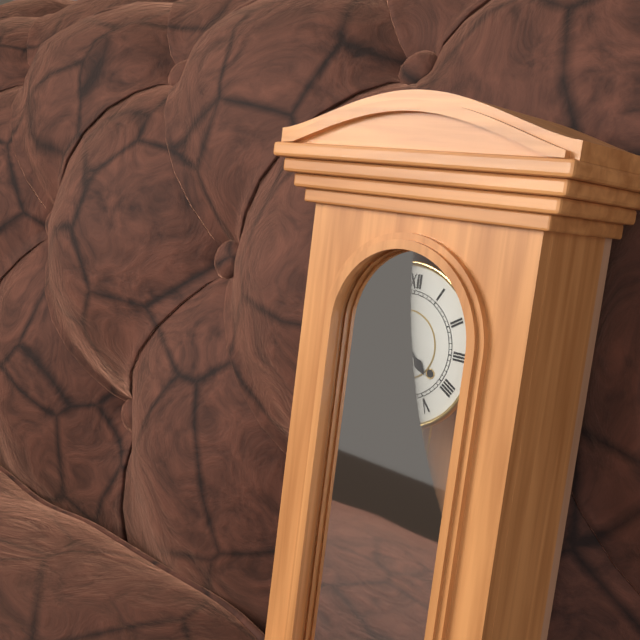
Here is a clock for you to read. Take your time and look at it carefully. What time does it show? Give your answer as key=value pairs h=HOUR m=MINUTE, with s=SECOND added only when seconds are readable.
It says h=4 m=28
